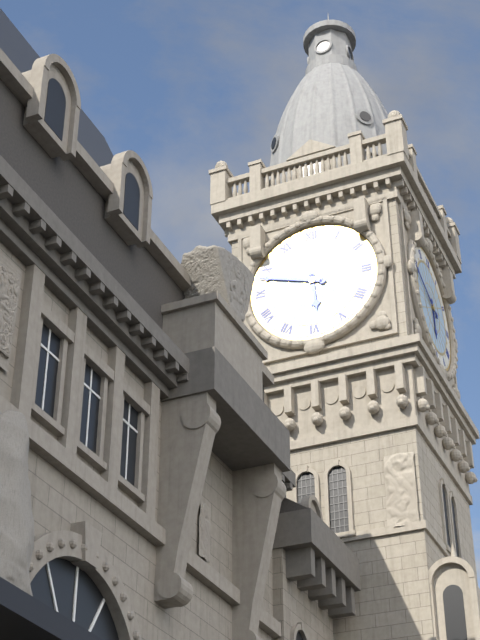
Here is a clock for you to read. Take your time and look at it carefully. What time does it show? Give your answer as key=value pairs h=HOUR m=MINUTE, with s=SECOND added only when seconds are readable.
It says h=5 m=48
